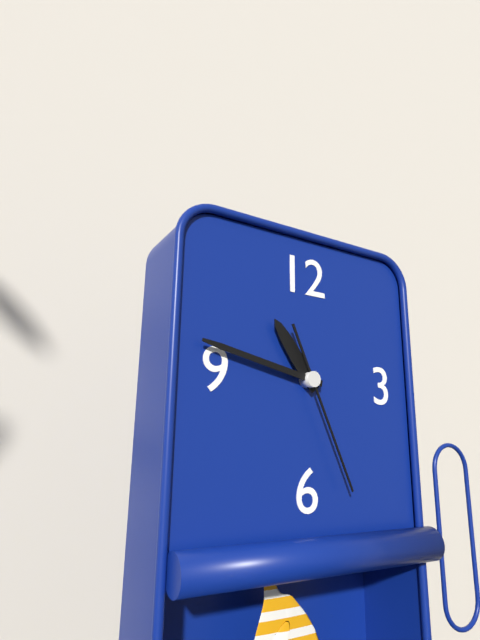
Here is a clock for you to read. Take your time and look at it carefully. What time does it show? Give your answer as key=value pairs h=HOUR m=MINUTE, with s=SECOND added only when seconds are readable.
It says h=10 m=47 s=26
